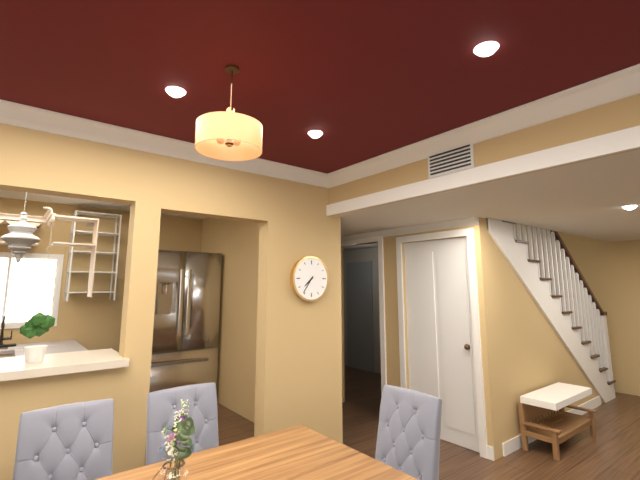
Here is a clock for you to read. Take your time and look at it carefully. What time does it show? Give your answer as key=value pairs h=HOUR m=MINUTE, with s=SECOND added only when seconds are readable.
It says h=7 m=36
